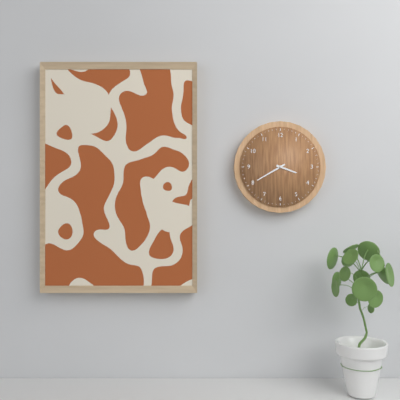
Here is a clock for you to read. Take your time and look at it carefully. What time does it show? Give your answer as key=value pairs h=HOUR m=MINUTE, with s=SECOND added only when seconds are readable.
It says h=3 m=40
